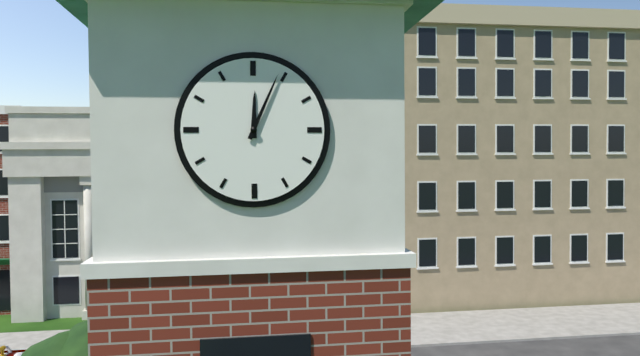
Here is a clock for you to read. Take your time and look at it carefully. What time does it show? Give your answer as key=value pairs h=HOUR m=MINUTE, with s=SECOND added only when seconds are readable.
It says h=12 m=4
